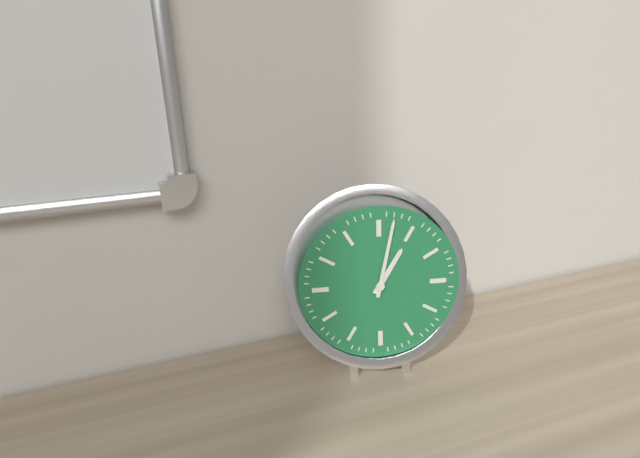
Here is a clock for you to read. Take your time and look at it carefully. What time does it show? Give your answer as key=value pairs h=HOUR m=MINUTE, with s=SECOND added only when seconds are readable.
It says h=1 m=2
